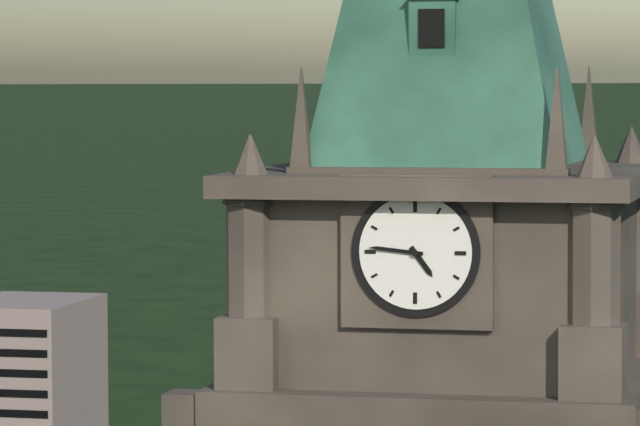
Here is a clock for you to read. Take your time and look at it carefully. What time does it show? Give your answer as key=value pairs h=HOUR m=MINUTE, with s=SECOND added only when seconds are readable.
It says h=4 m=46
